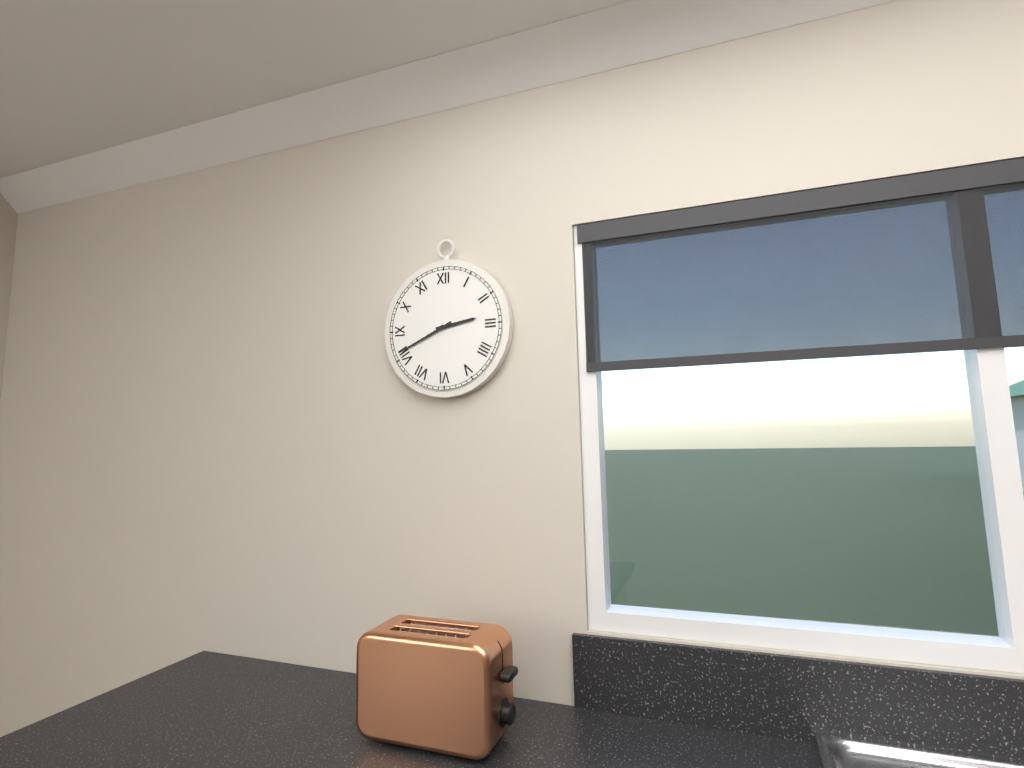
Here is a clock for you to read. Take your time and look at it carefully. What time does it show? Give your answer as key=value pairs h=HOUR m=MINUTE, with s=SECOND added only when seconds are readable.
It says h=2 m=41
